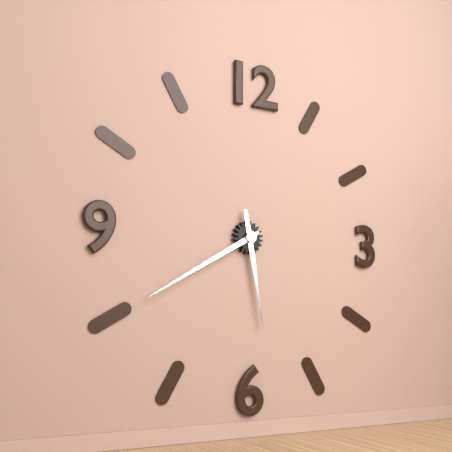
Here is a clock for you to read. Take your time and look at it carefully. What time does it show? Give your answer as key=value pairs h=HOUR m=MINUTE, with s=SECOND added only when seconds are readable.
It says h=5 m=40
